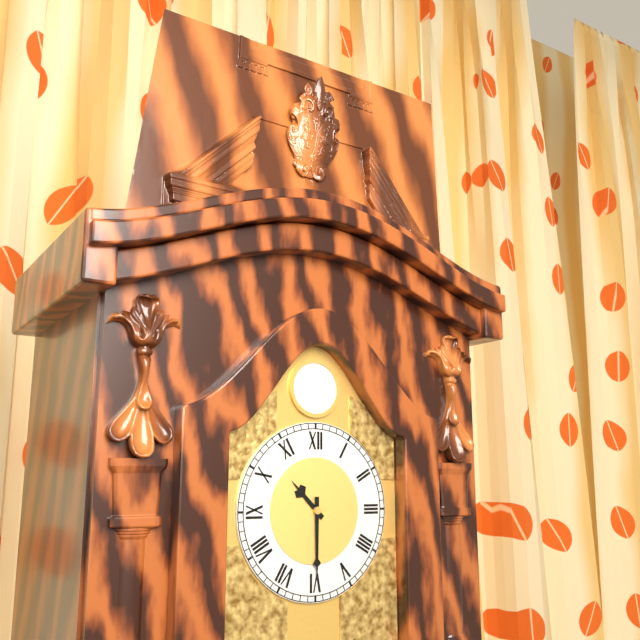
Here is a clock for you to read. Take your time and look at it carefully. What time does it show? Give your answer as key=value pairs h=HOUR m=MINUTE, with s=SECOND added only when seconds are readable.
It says h=10 m=30
